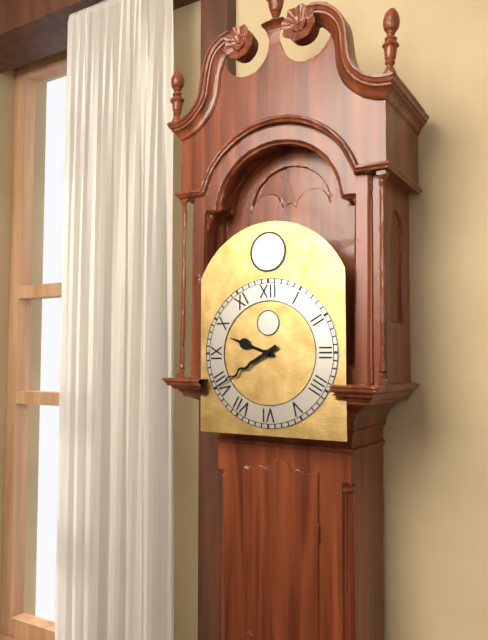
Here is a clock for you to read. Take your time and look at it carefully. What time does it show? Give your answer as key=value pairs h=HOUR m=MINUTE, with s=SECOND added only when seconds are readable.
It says h=9 m=40
